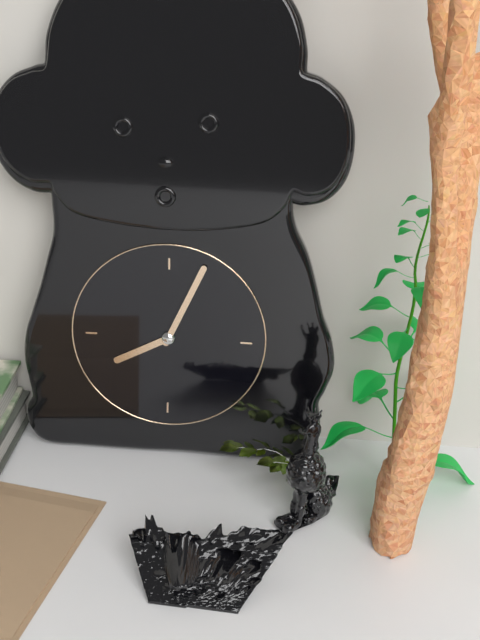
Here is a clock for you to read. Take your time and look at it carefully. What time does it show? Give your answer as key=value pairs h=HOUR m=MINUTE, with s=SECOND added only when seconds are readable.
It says h=8 m=4
